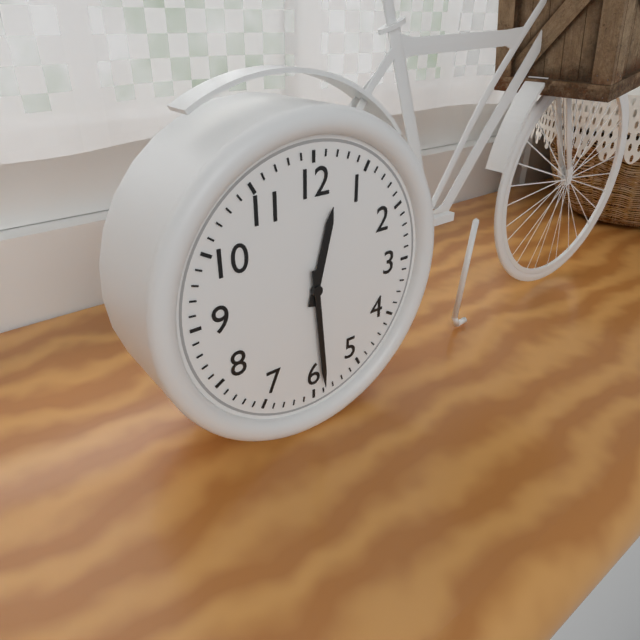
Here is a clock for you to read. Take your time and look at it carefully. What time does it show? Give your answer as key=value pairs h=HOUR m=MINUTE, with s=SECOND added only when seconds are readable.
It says h=12 m=29
